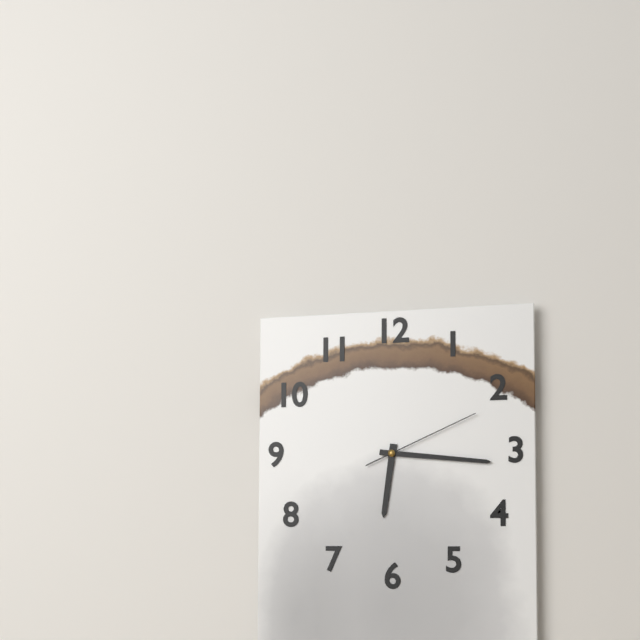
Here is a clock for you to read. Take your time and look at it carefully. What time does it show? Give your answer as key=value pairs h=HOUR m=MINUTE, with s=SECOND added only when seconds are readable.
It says h=6 m=16 s=11
